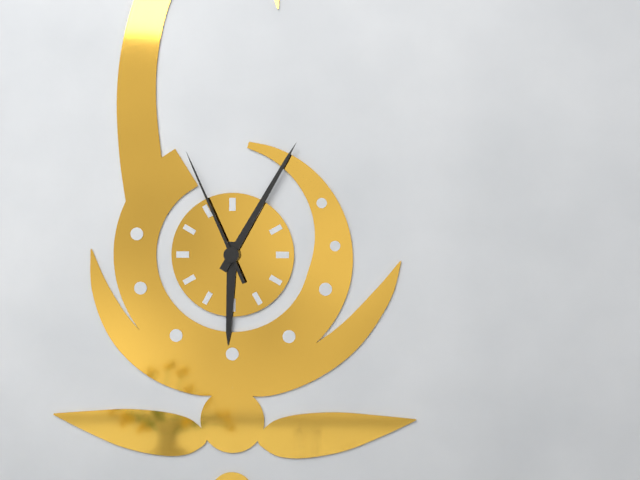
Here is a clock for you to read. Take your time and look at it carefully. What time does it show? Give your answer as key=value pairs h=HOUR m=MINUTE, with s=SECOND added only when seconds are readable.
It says h=6 m=5 s=56
